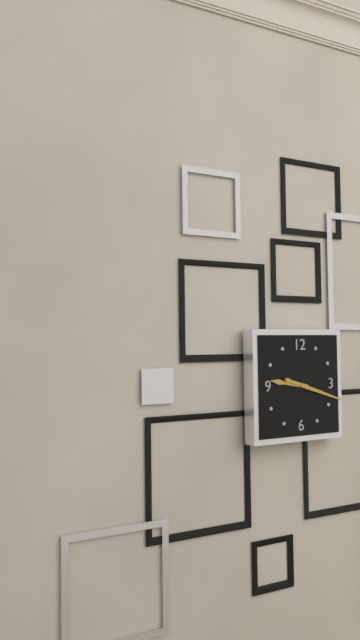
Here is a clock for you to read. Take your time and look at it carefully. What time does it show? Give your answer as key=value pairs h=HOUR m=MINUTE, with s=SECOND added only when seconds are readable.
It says h=9 m=18
